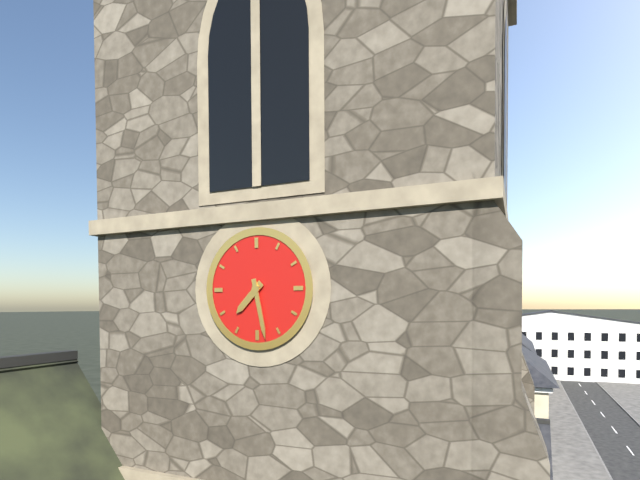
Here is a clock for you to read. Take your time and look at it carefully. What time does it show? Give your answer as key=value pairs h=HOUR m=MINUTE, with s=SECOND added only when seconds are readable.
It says h=7 m=28
